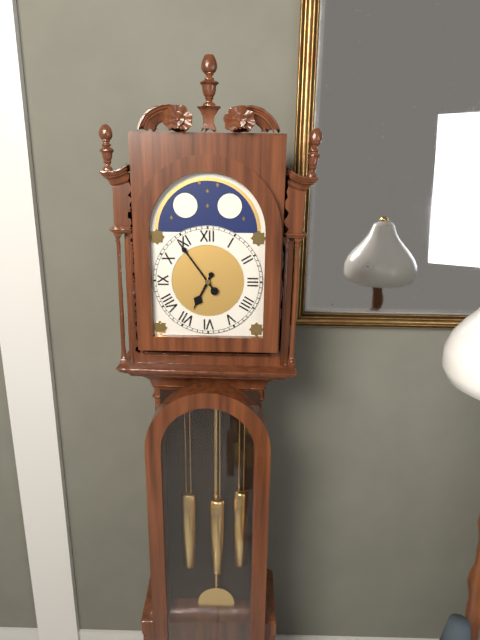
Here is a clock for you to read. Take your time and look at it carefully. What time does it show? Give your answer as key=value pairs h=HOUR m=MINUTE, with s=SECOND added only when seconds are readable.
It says h=6 m=54
